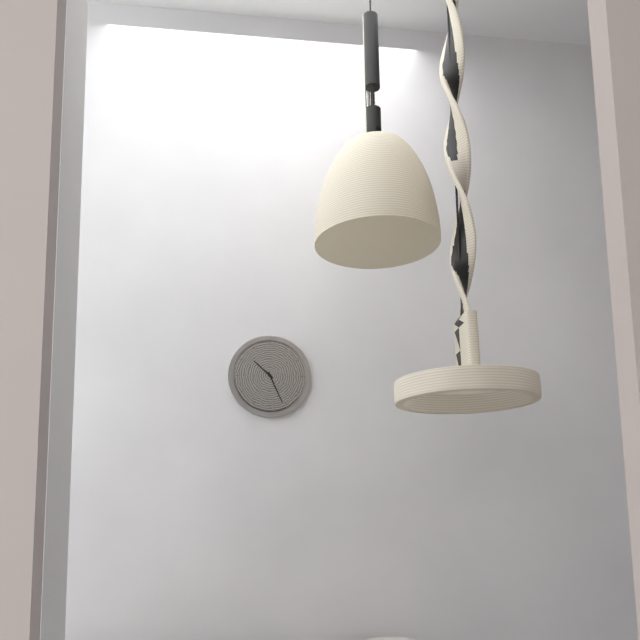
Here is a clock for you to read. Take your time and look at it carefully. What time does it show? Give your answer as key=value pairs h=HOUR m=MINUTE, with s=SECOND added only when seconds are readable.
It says h=10 m=26
